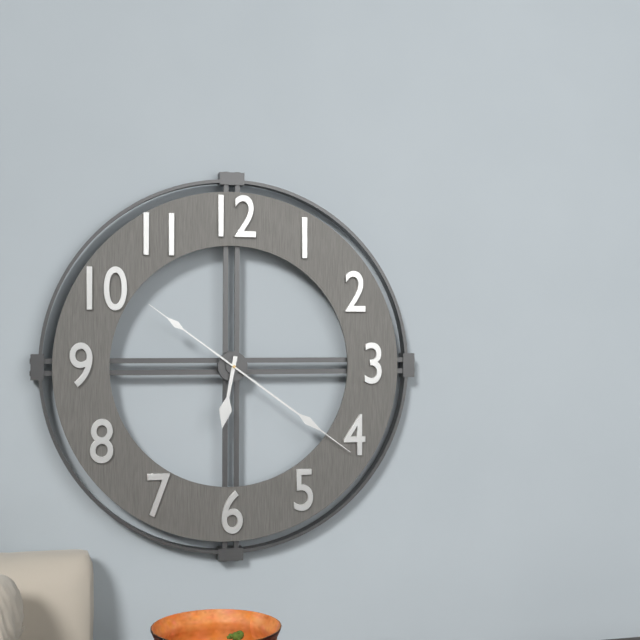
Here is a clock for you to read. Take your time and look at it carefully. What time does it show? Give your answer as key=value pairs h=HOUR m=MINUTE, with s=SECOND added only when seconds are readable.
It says h=6 m=21 s=51
